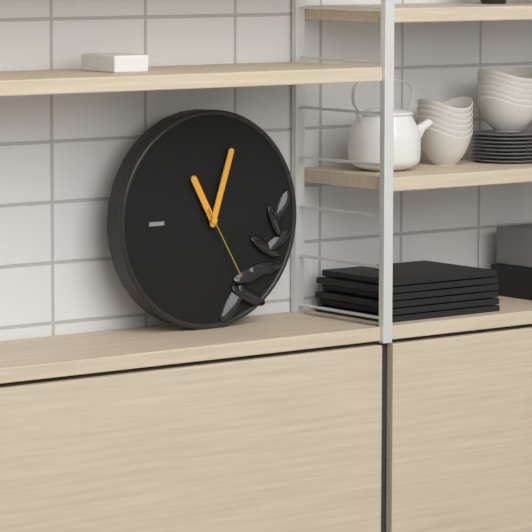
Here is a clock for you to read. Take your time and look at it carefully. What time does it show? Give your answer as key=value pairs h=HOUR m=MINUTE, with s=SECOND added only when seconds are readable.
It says h=11 m=3 s=25
